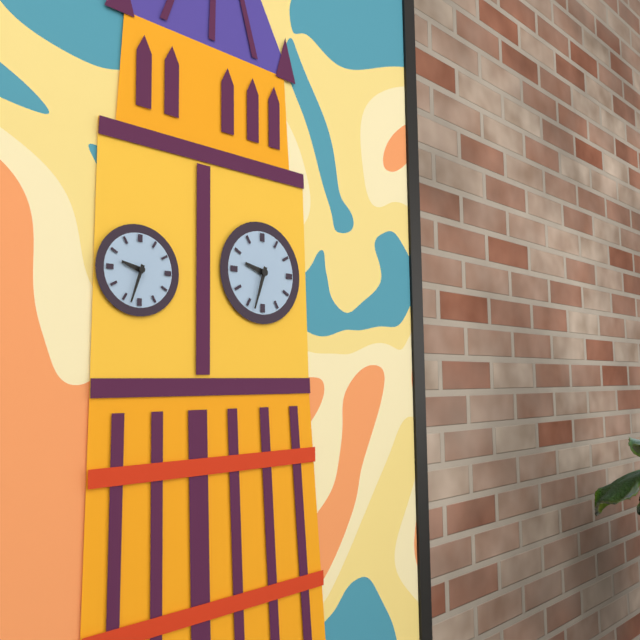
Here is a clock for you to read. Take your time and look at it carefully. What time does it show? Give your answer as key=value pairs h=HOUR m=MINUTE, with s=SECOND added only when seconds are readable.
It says h=9 m=33
